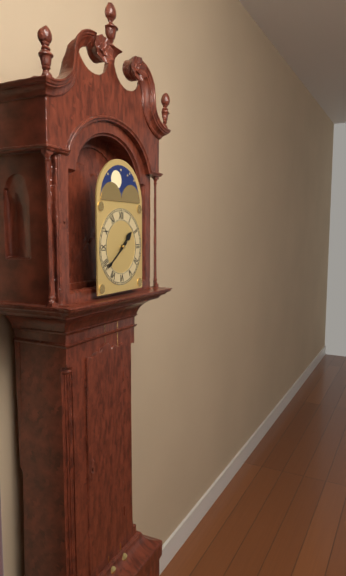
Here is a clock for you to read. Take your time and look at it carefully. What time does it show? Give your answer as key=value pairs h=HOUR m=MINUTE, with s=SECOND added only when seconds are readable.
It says h=1 m=39
